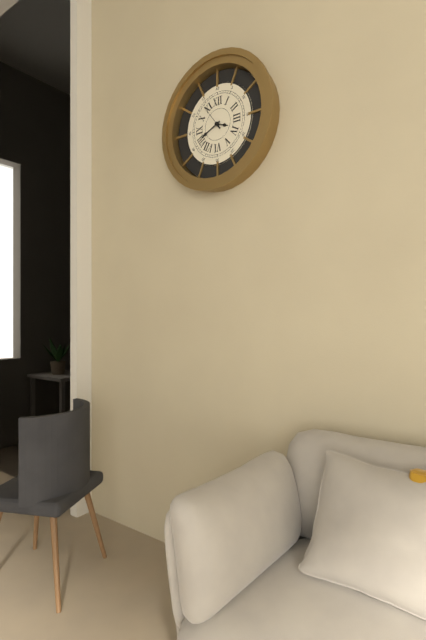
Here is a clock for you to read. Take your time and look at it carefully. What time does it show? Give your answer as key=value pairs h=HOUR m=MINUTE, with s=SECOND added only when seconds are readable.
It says h=3 m=41
